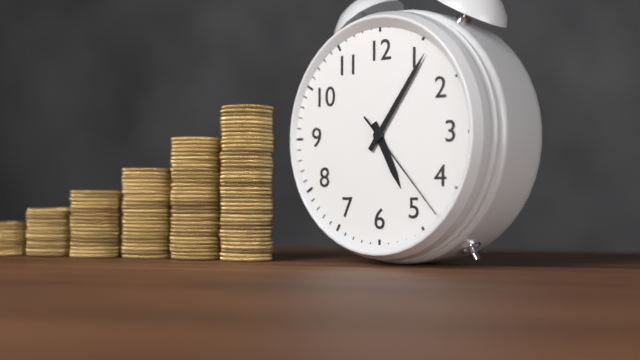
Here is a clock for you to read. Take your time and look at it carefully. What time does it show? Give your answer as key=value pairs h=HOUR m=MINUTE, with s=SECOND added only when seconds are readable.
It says h=5 m=6 s=23
